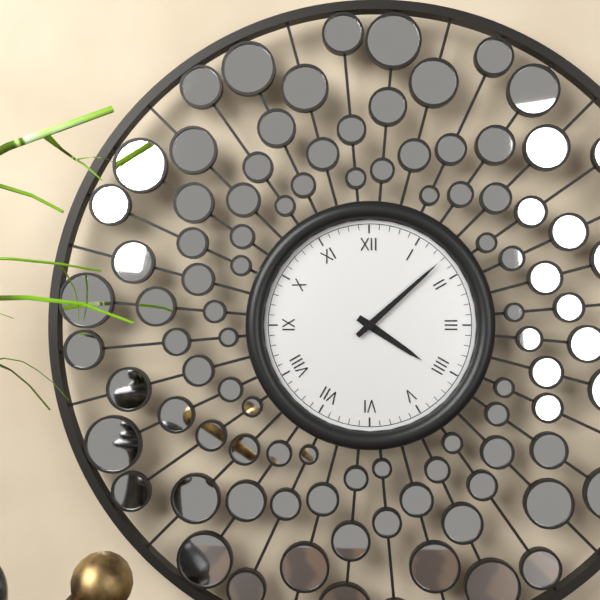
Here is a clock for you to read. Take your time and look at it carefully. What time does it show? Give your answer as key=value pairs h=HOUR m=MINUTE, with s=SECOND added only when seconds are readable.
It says h=4 m=8
